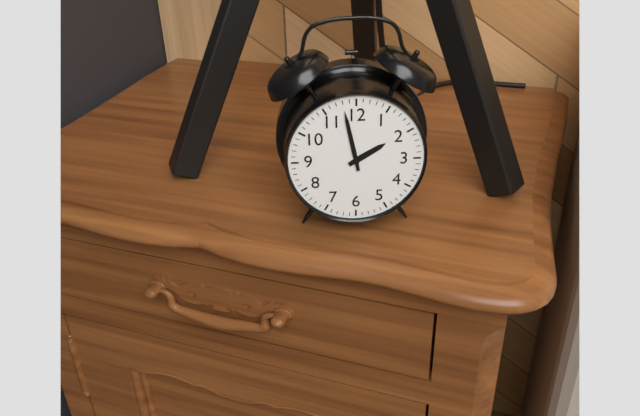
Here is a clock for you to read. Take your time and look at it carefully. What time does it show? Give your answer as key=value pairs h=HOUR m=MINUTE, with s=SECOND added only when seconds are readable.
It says h=1 m=58
